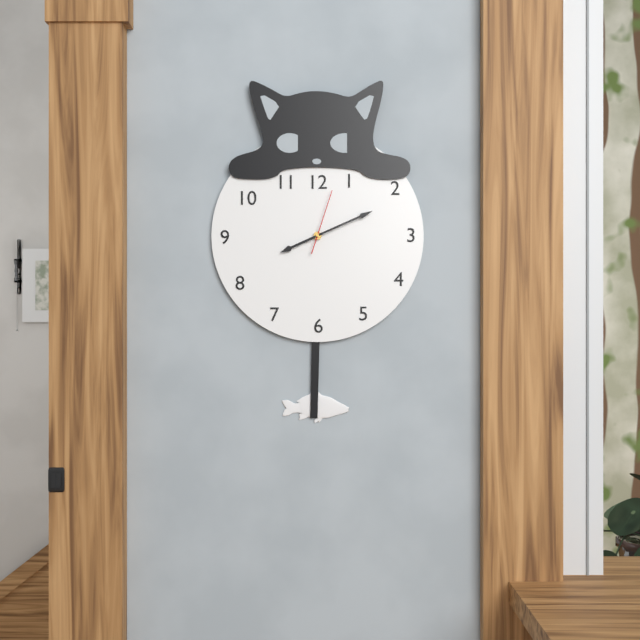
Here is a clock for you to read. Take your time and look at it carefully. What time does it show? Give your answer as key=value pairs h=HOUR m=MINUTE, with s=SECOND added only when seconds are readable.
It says h=8 m=11 s=3
